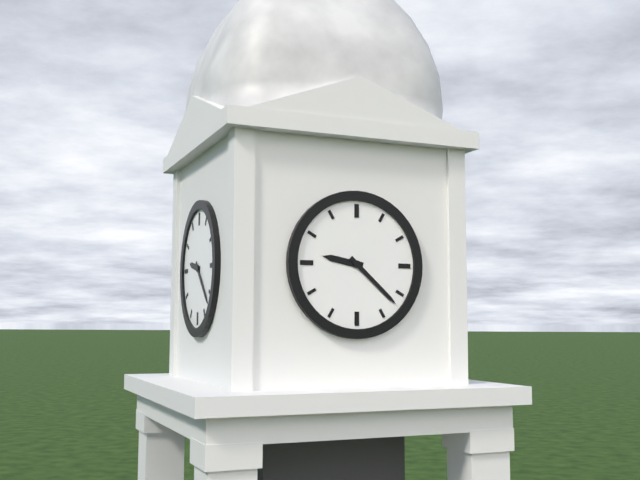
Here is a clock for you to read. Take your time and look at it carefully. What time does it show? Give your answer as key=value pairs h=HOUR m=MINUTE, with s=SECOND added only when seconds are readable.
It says h=9 m=22
